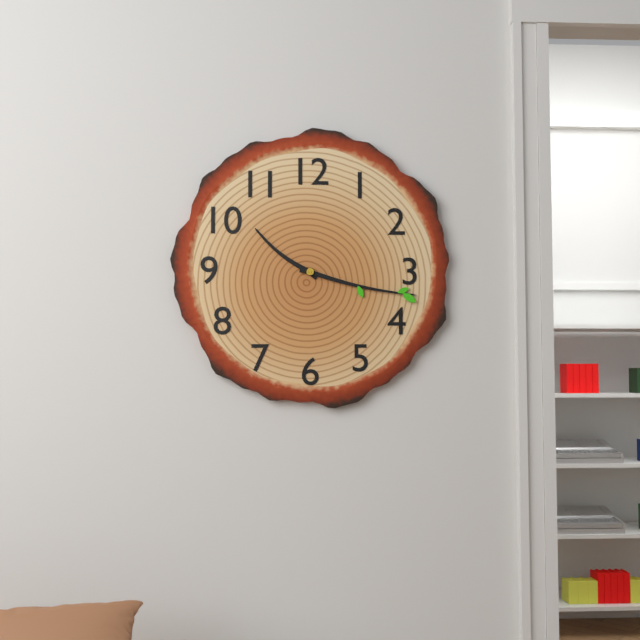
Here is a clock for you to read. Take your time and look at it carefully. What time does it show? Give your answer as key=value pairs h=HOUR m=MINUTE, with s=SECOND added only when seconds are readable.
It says h=10 m=17
